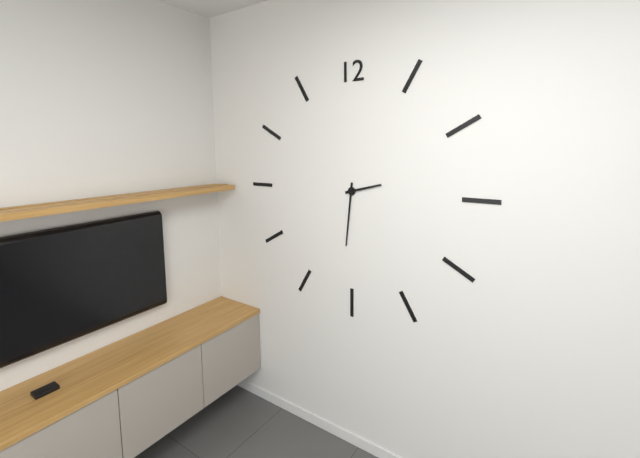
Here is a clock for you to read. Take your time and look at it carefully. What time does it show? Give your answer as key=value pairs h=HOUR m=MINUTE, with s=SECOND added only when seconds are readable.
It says h=2 m=31
